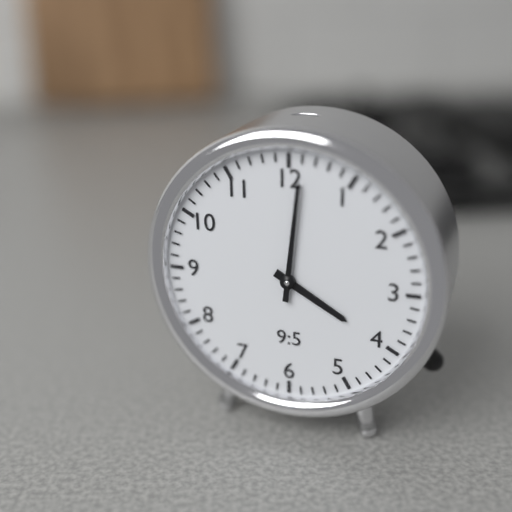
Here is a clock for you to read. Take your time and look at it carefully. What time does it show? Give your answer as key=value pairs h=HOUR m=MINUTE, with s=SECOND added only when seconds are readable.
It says h=4 m=1
